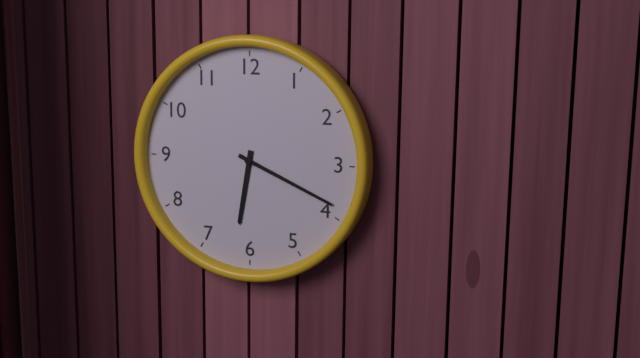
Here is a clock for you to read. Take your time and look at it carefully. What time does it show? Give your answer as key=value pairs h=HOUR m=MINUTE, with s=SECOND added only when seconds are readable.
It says h=6 m=19
